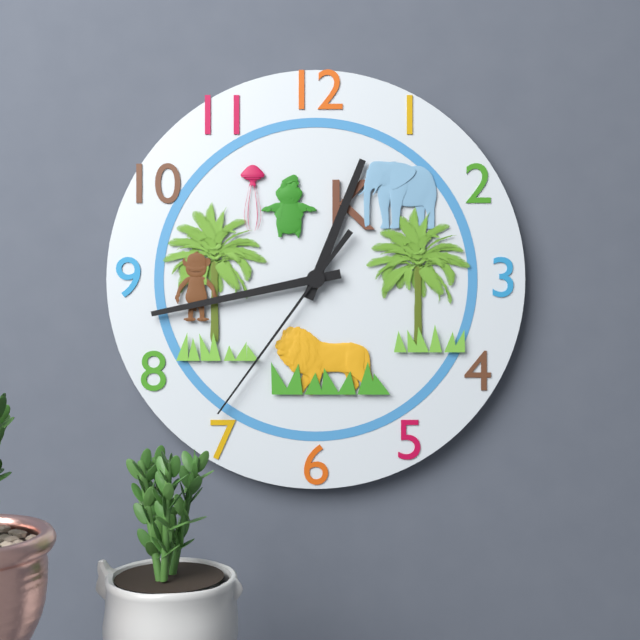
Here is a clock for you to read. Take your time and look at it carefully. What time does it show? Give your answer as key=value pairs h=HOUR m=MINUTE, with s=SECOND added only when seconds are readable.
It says h=12 m=43 s=36
